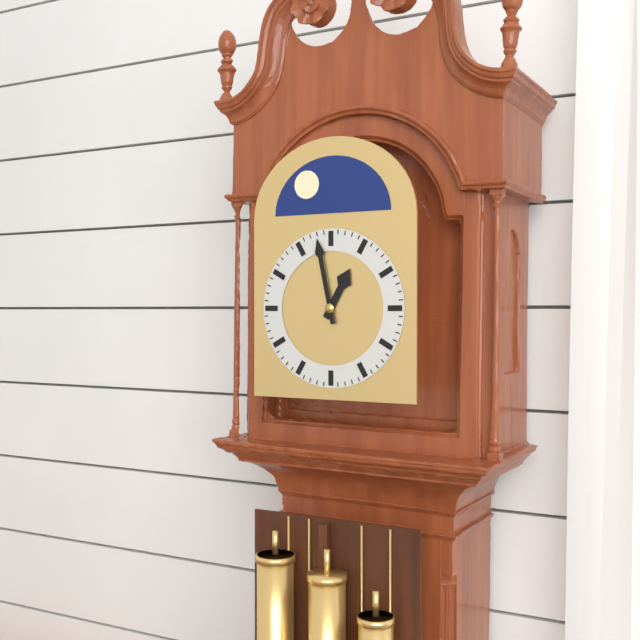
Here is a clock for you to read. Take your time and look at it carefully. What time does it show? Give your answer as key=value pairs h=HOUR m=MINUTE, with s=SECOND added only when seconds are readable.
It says h=12 m=58
